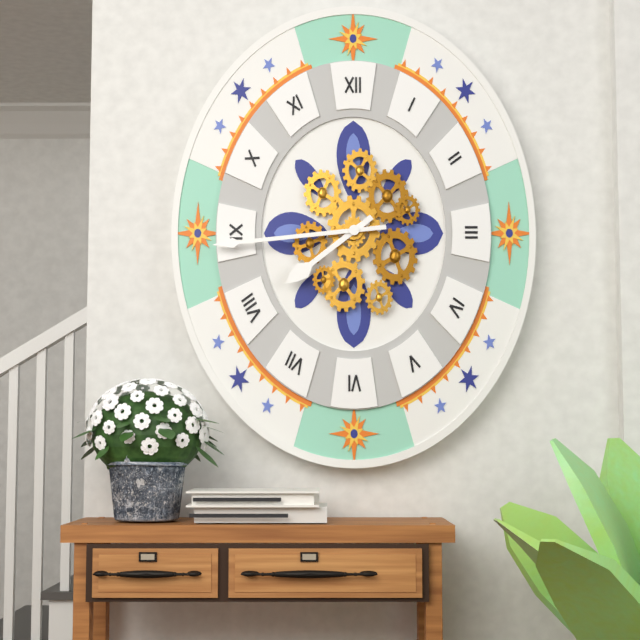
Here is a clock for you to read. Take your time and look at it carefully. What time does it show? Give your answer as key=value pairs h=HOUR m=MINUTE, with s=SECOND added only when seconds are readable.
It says h=7 m=44
